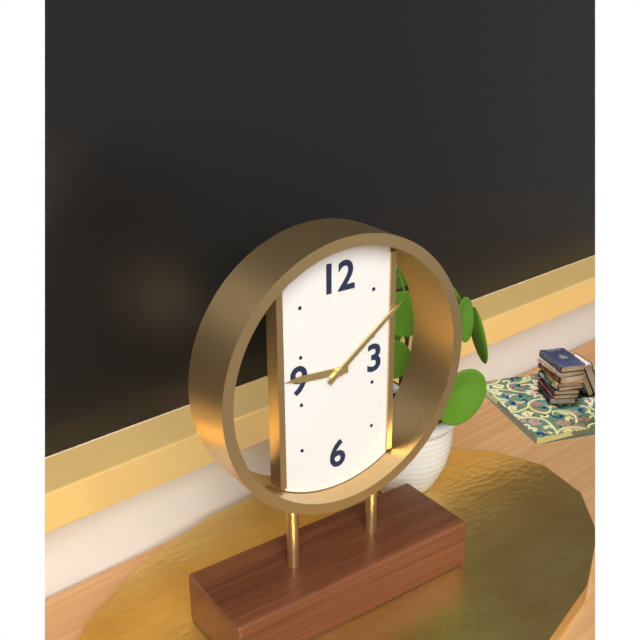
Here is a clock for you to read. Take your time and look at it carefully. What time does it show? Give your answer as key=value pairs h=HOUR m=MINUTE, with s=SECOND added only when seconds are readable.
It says h=9 m=9
